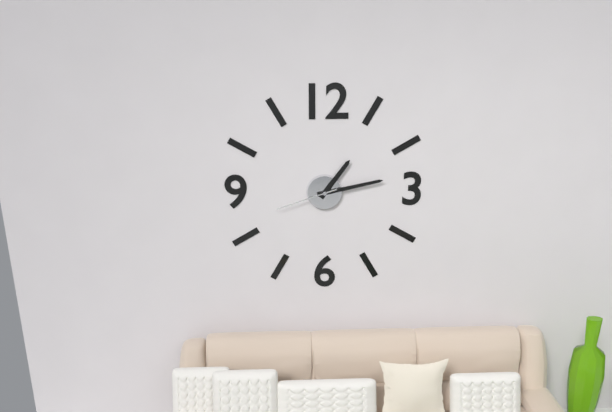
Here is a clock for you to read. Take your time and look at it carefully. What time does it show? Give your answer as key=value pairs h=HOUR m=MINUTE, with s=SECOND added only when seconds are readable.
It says h=1 m=13 s=42
